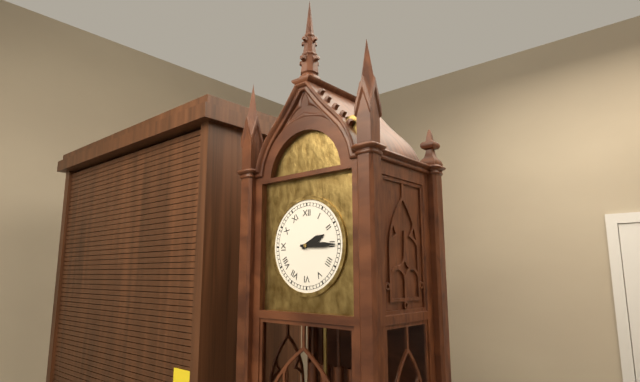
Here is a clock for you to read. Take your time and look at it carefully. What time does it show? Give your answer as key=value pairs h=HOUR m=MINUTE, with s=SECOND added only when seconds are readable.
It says h=2 m=15
